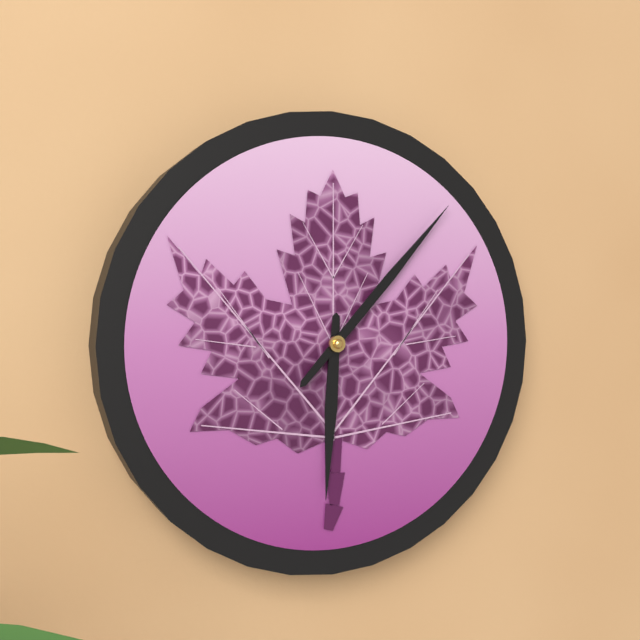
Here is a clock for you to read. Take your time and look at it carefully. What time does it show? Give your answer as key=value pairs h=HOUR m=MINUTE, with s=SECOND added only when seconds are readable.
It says h=6 m=7
